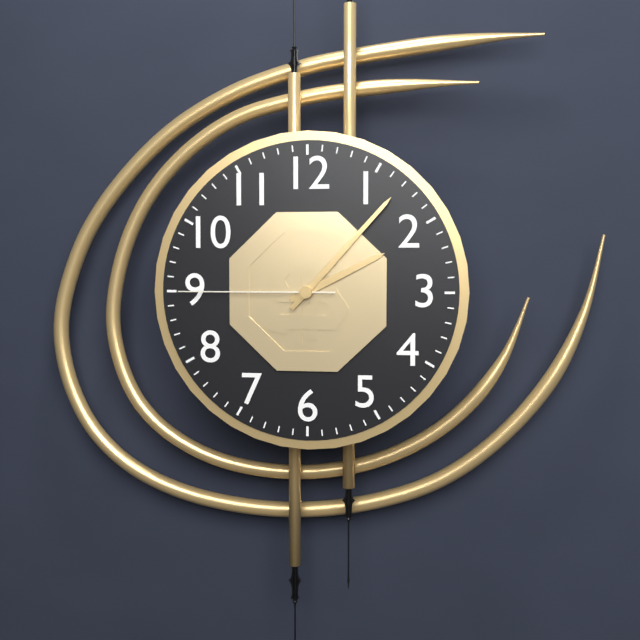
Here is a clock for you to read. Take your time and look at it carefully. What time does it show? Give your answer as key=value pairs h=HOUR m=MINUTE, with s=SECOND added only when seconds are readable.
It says h=2 m=7 s=45
